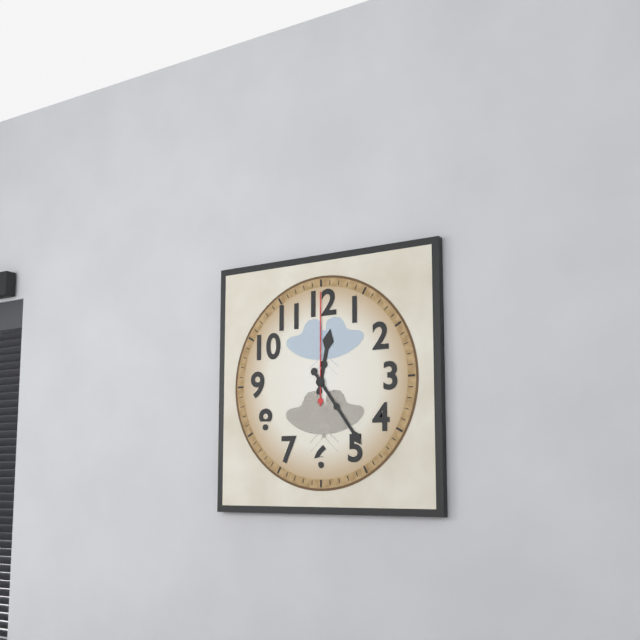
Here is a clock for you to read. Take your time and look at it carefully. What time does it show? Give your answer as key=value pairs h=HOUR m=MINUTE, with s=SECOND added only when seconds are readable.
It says h=12 m=24 s=0
